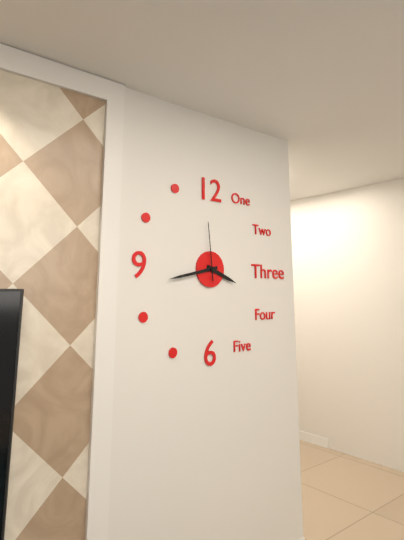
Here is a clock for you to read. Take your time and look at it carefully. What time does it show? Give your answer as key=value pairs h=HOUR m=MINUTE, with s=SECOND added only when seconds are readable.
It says h=3 m=43 s=59
